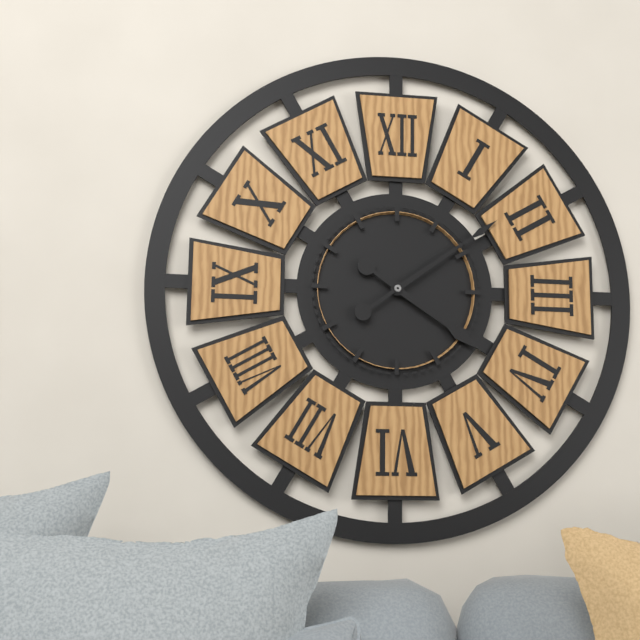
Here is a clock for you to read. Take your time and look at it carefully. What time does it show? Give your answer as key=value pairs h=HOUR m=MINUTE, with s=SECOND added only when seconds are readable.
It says h=4 m=9
